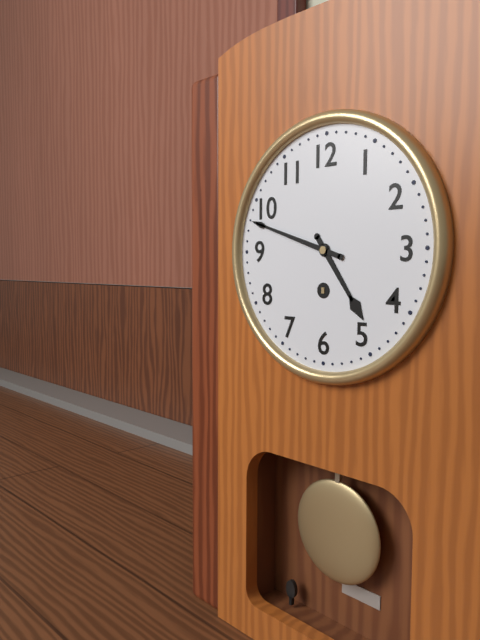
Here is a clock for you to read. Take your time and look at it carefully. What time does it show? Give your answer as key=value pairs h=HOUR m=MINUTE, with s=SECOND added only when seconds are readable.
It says h=4 m=48
